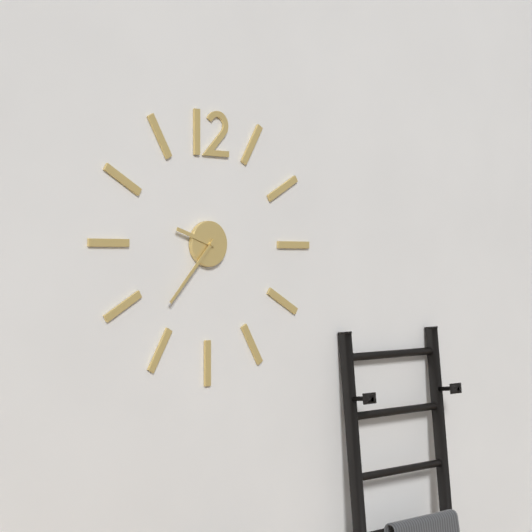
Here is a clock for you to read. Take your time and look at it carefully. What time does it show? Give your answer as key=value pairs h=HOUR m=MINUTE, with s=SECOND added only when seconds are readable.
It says h=9 m=37
